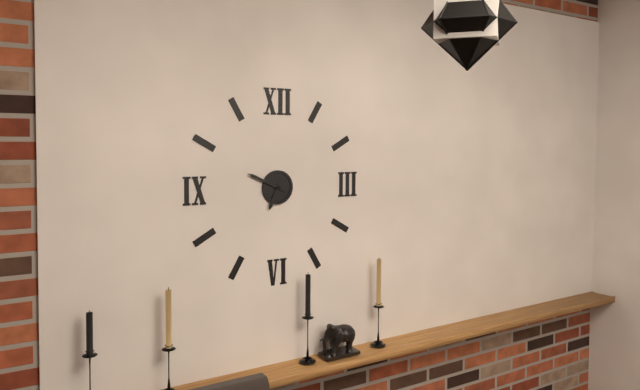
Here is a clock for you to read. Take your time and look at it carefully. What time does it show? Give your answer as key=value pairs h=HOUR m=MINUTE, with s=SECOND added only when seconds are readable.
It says h=6 m=49
